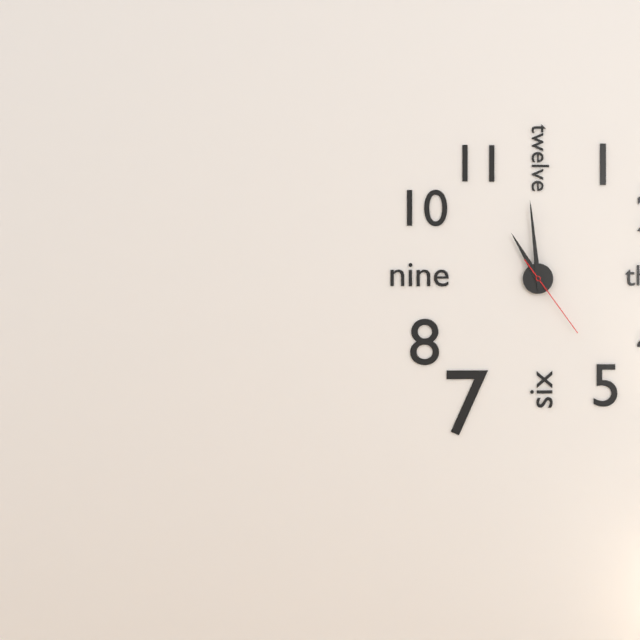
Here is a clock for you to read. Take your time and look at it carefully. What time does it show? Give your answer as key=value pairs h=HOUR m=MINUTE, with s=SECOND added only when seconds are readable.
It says h=10 m=59 s=24
